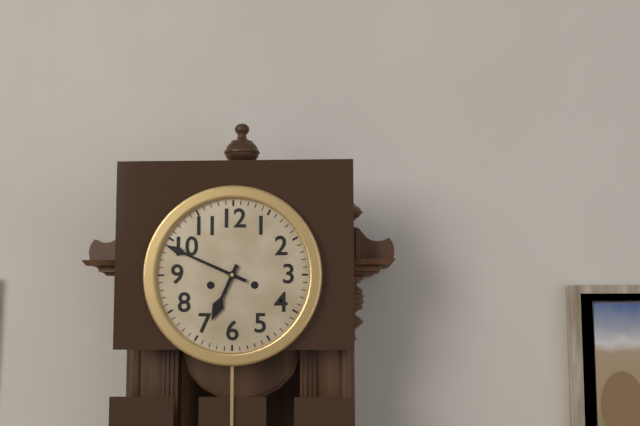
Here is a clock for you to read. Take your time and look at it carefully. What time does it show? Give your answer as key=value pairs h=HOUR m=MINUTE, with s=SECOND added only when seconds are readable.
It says h=6 m=49
